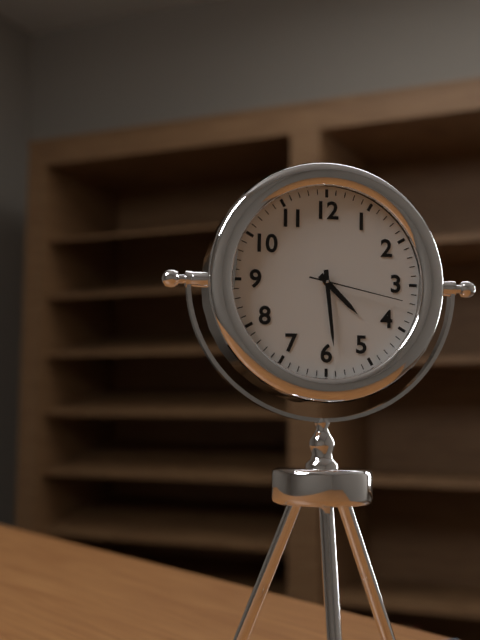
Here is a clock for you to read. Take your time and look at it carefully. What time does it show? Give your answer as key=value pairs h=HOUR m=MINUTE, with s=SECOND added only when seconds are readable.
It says h=4 m=29 s=17
